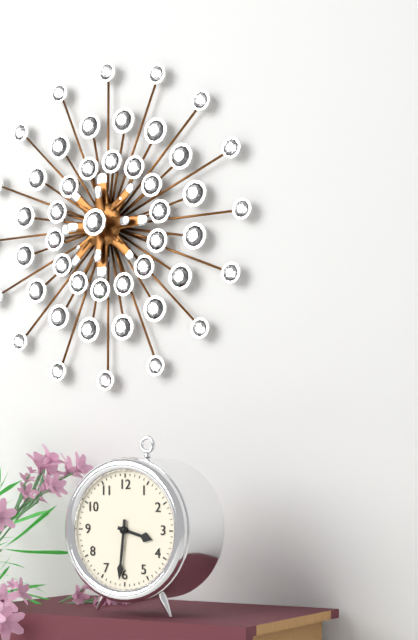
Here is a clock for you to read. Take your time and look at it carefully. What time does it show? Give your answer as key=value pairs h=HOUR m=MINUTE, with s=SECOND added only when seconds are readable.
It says h=3 m=31
